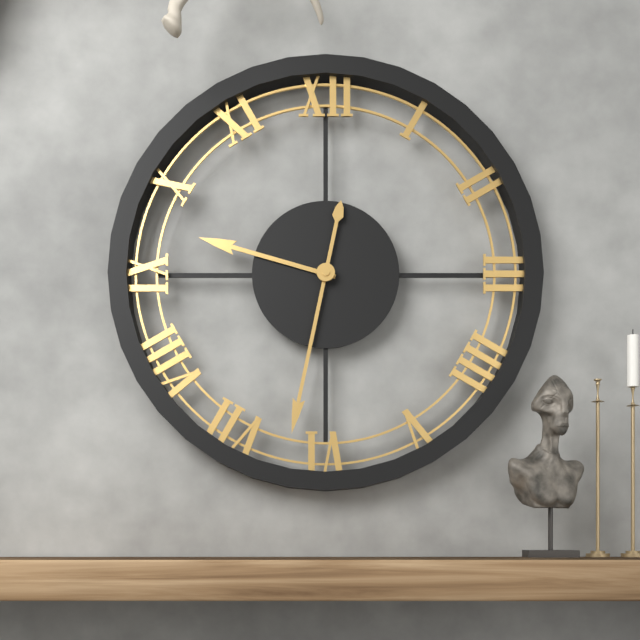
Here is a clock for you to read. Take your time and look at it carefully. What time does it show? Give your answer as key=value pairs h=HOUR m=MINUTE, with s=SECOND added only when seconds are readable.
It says h=9 m=32
